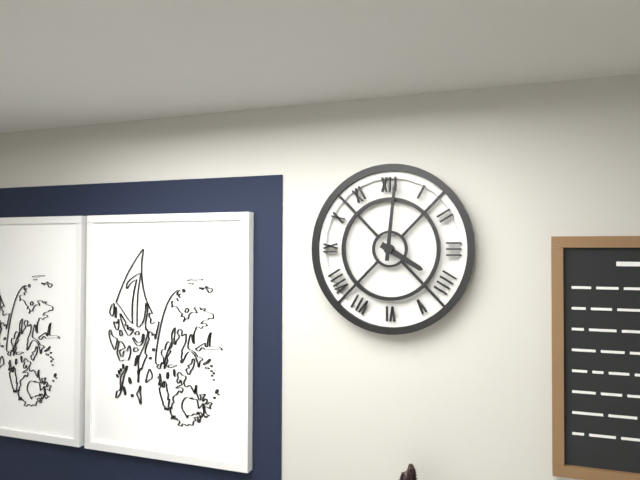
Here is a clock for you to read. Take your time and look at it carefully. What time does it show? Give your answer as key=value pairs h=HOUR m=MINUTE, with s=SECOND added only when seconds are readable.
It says h=4 m=1
